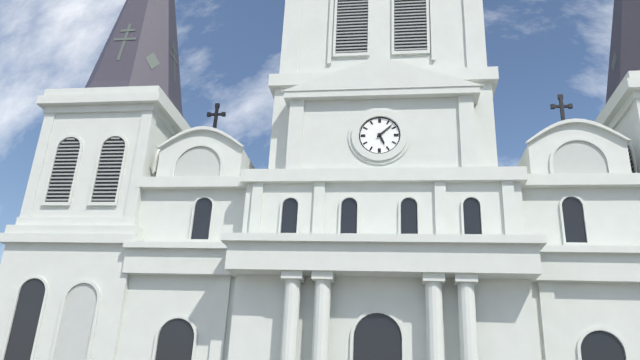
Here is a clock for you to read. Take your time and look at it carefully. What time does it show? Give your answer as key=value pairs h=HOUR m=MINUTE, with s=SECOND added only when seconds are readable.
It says h=5 m=8
